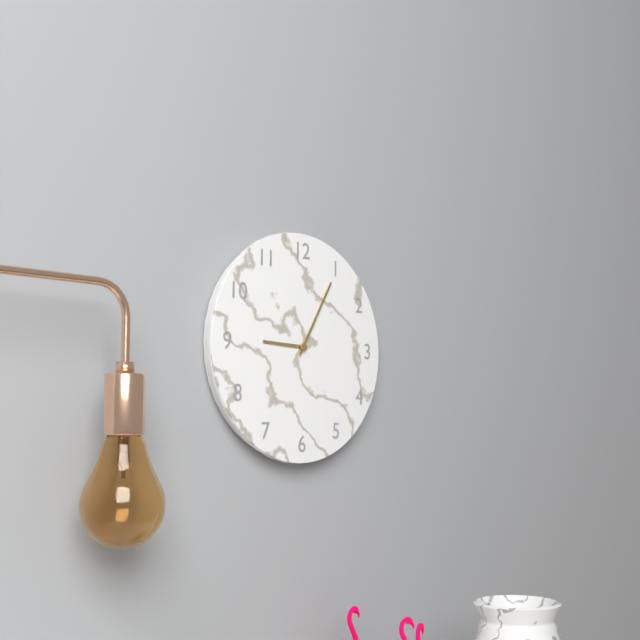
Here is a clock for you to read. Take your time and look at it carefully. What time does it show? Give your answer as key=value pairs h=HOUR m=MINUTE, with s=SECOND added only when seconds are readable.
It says h=9 m=5
